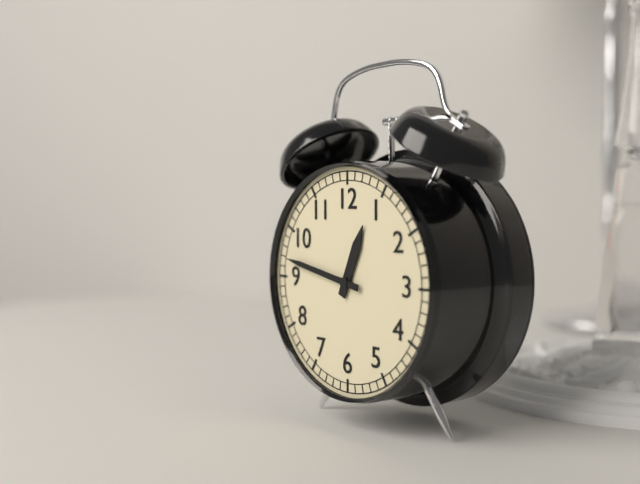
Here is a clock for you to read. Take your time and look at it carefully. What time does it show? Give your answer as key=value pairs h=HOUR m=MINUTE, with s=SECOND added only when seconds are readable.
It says h=12 m=47
